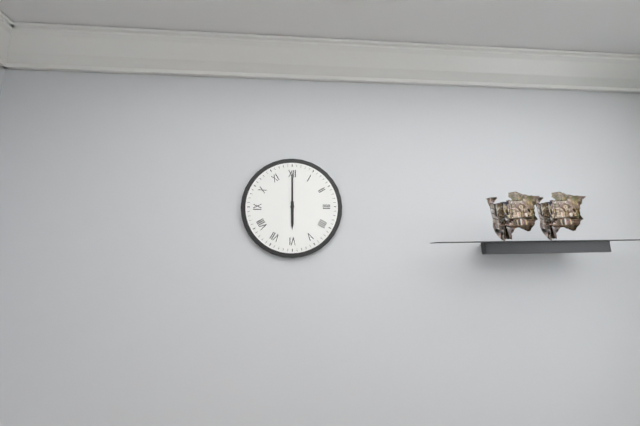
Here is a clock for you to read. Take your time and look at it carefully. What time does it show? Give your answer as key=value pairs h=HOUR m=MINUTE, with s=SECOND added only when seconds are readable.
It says h=6 m=0
